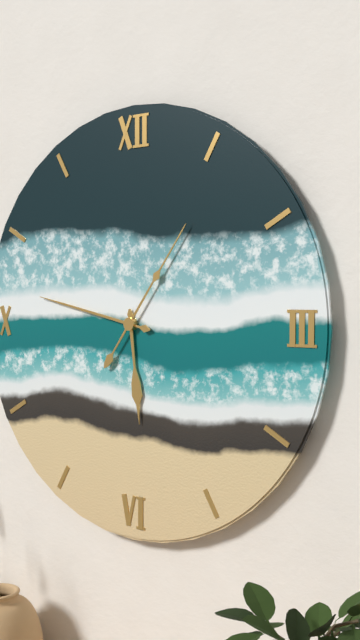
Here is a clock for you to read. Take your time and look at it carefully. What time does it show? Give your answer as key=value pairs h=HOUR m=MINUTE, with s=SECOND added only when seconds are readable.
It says h=5 m=47 s=6
